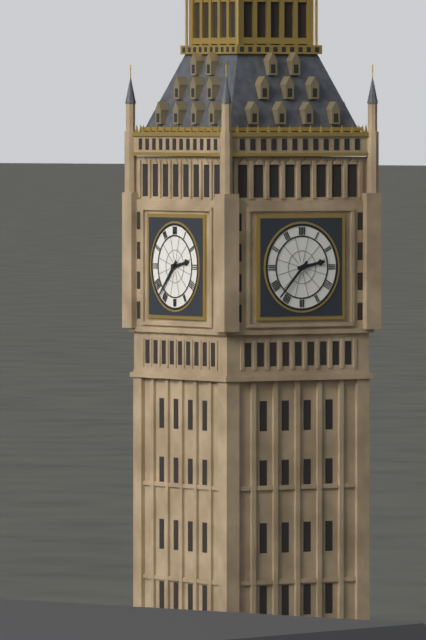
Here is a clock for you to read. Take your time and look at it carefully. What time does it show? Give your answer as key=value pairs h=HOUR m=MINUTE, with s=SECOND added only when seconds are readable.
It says h=2 m=37
